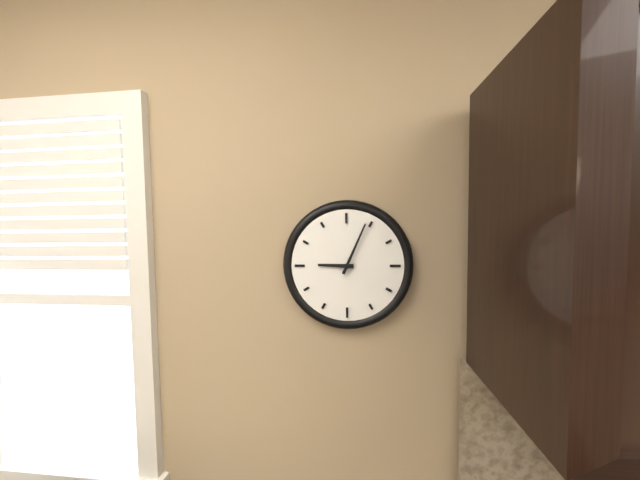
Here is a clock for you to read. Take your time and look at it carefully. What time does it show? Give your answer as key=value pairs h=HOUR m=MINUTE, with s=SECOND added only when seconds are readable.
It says h=9 m=4
